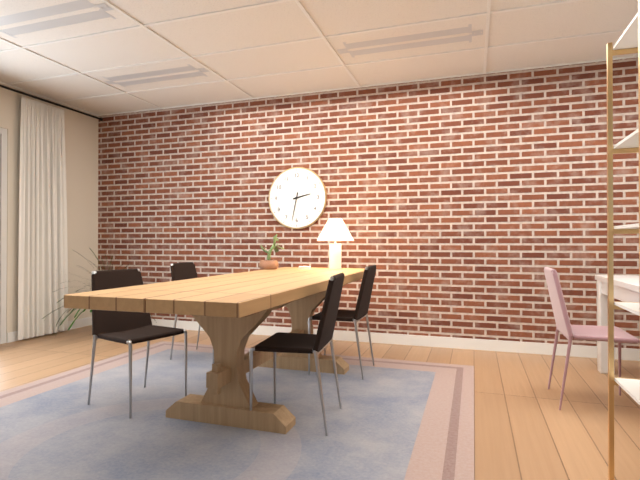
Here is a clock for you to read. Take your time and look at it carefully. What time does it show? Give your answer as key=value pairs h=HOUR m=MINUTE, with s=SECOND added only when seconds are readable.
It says h=2 m=32
